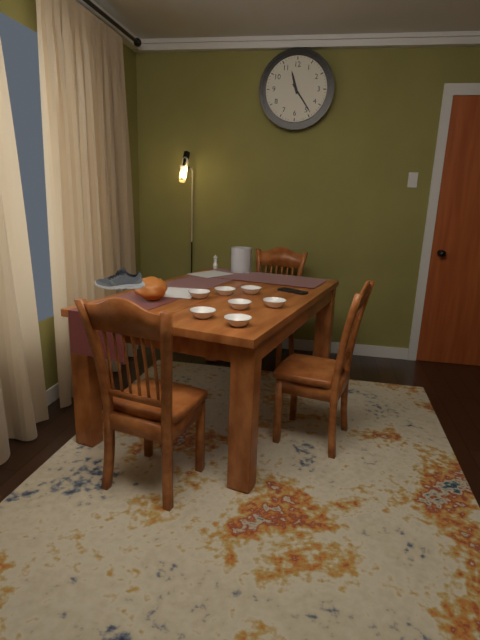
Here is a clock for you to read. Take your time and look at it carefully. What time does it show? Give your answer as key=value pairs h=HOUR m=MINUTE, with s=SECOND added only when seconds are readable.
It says h=11 m=24
